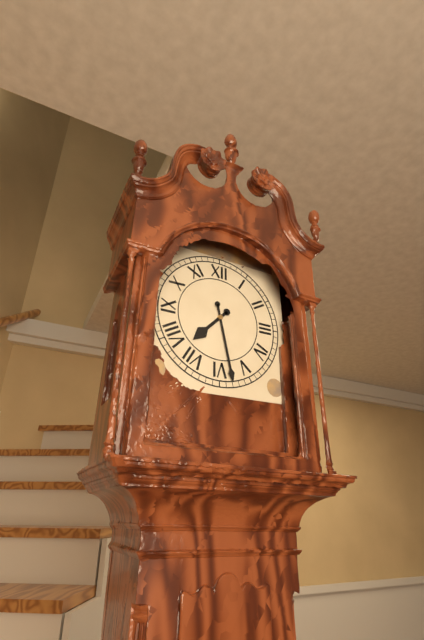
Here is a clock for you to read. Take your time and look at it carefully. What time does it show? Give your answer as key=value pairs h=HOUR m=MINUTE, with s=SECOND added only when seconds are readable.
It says h=7 m=28
